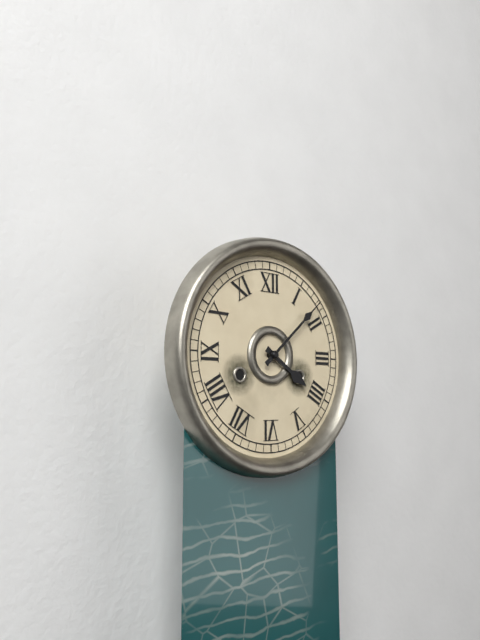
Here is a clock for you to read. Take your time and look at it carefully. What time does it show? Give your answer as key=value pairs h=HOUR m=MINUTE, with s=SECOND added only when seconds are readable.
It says h=4 m=8
